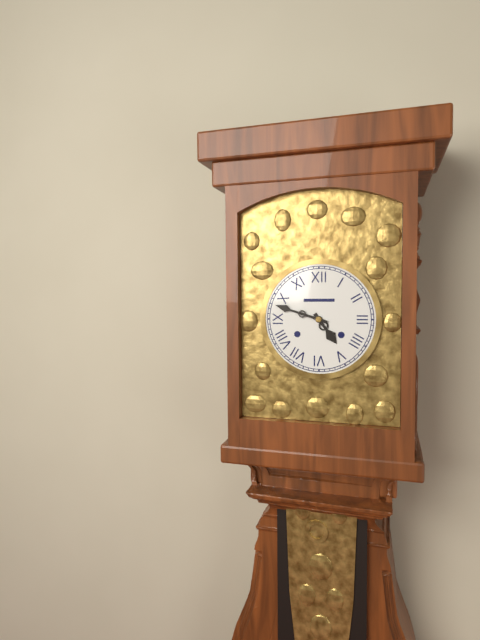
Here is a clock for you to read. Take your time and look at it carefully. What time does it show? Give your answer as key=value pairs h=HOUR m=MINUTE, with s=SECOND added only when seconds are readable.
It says h=4 m=48
